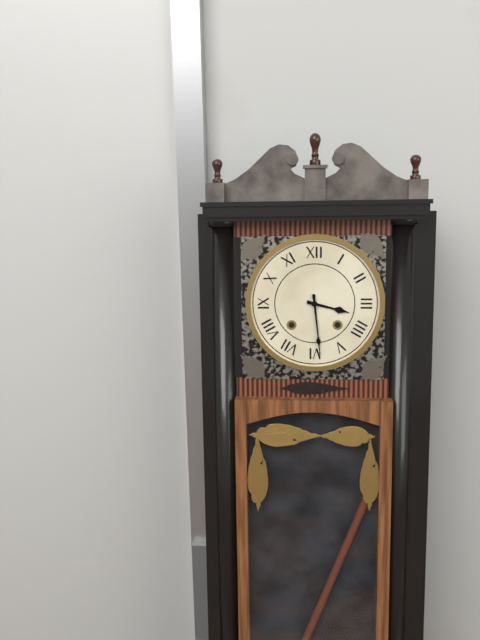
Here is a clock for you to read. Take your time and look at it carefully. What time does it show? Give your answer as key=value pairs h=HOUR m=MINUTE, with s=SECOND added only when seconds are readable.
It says h=3 m=29
